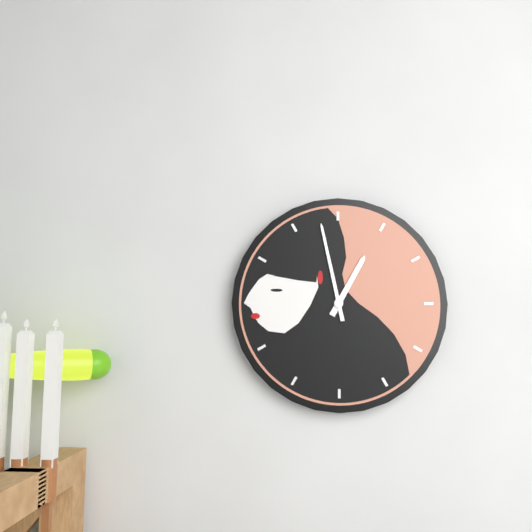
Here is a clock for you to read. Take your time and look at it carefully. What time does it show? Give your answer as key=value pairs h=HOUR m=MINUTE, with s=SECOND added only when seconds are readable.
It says h=12 m=58
